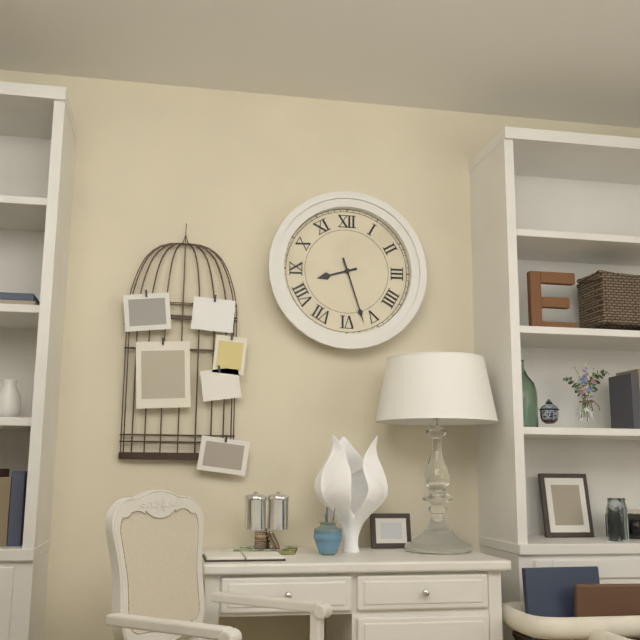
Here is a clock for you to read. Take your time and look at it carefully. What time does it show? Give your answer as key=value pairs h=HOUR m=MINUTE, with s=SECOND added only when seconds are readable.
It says h=8 m=27
